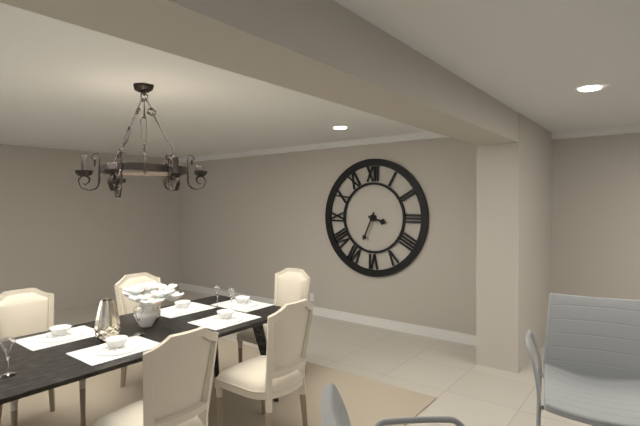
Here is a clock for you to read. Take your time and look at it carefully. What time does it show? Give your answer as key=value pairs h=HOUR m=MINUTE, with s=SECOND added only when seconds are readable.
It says h=3 m=34
